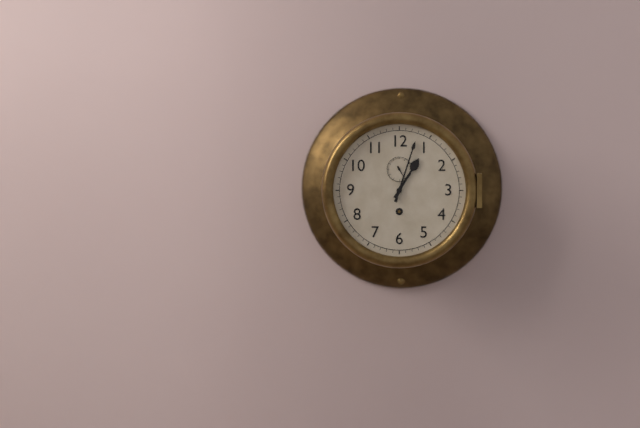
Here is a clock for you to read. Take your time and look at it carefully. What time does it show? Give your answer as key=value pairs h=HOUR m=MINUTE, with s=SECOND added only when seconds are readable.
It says h=1 m=3
